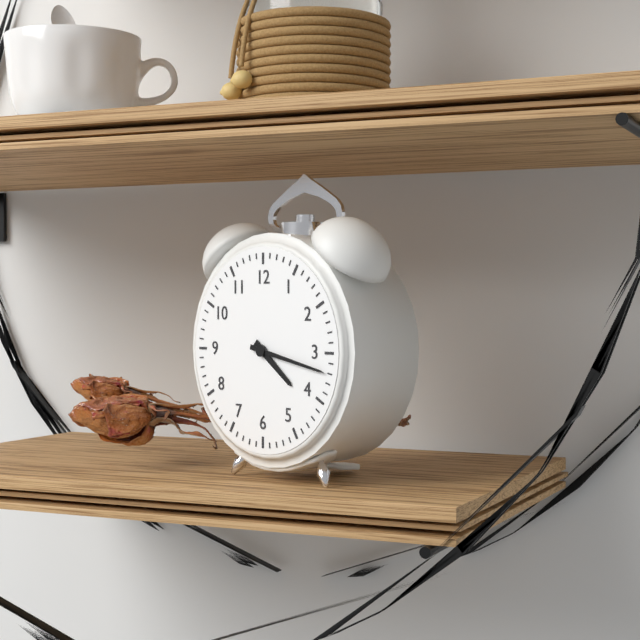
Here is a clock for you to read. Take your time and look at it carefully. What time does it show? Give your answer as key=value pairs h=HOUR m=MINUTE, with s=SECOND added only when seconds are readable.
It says h=4 m=17
